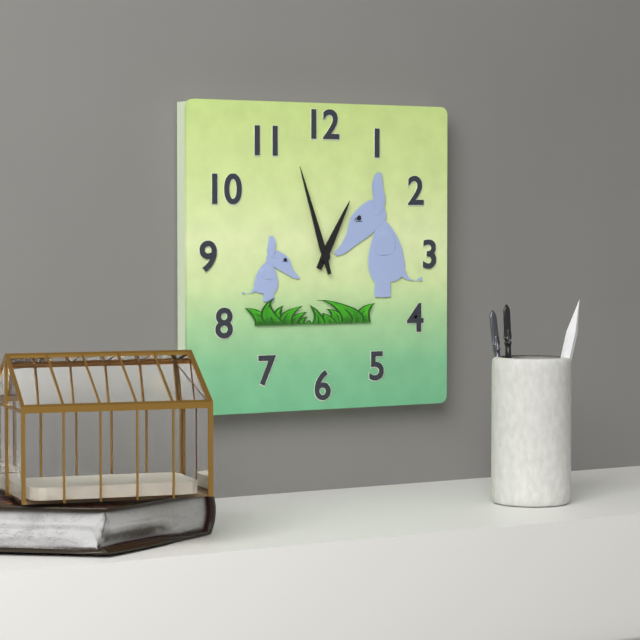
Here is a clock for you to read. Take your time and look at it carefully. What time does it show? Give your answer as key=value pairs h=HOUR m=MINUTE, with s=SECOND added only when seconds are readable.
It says h=12 m=57
